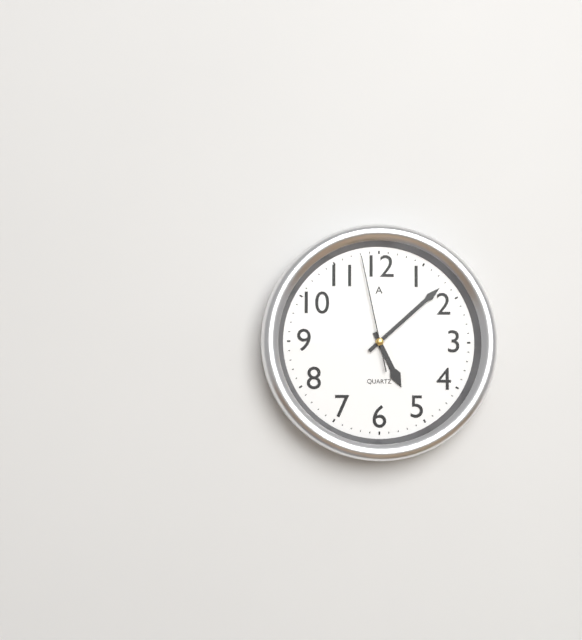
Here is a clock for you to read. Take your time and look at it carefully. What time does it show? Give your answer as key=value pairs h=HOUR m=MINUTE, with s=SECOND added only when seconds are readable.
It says h=5 m=8 s=58
